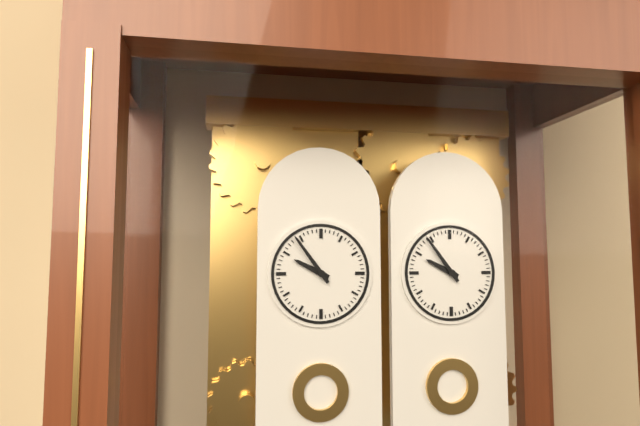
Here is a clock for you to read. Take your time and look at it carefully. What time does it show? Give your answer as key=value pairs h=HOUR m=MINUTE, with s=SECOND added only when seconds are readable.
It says h=9 m=54
